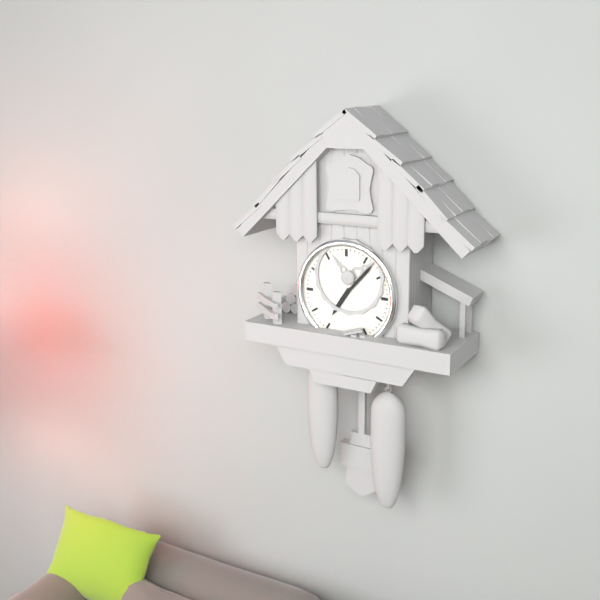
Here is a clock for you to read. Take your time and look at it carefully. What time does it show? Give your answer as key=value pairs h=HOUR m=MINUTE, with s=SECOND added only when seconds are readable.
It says h=7 m=7
